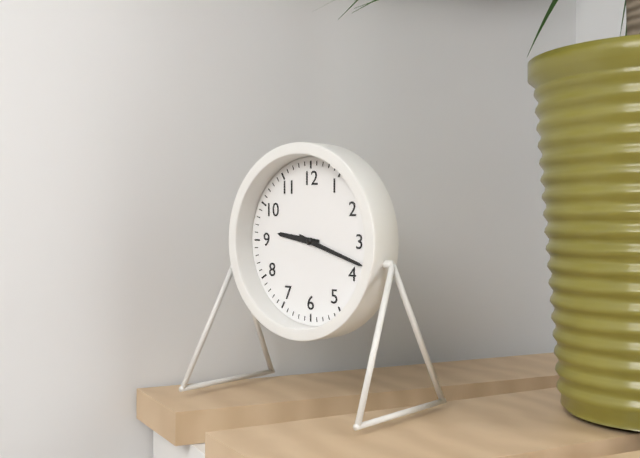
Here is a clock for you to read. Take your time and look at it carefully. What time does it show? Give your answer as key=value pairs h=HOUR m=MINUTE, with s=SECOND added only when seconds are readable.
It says h=9 m=18
